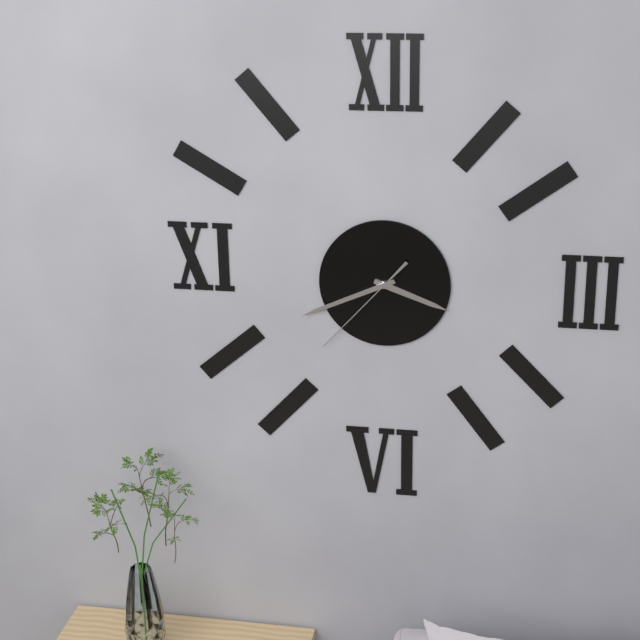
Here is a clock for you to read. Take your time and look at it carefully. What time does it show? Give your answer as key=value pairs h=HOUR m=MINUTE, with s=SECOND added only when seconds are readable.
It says h=3 m=41 s=37
